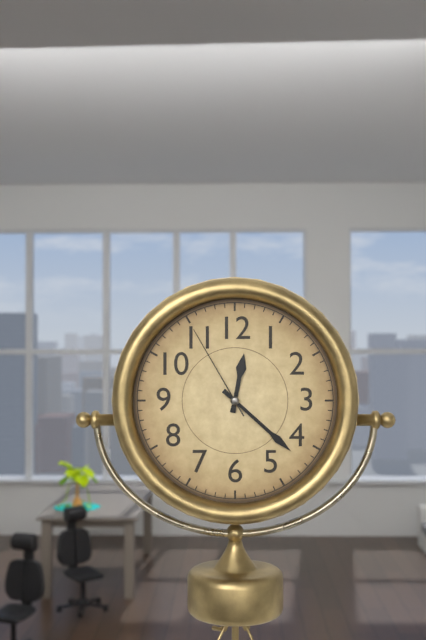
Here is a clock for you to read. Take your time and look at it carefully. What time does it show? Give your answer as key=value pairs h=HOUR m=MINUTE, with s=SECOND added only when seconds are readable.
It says h=12 m=22 s=55
